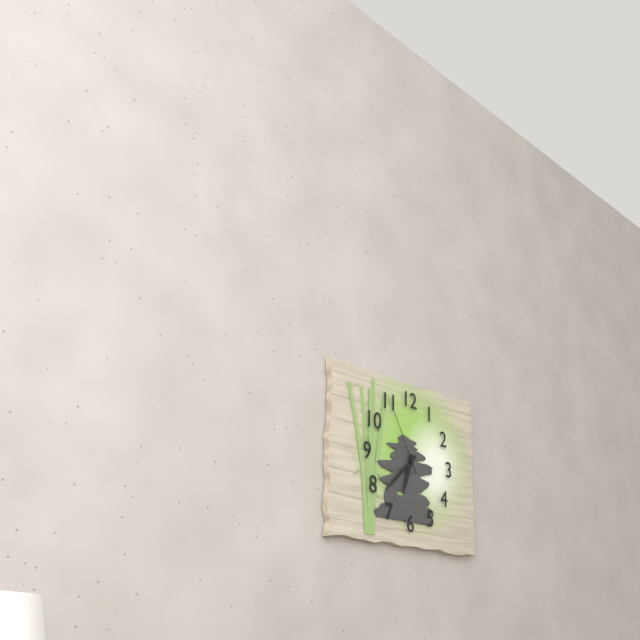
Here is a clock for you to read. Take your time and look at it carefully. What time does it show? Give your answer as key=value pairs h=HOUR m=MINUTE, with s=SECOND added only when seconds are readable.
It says h=6 m=38 s=55
